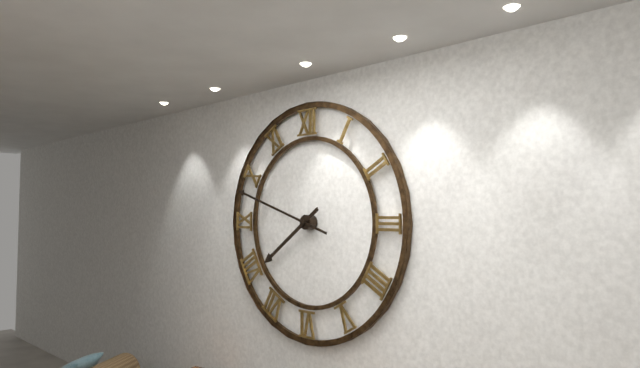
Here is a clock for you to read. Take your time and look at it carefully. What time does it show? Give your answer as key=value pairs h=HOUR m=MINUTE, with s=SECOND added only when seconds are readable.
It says h=7 m=48
